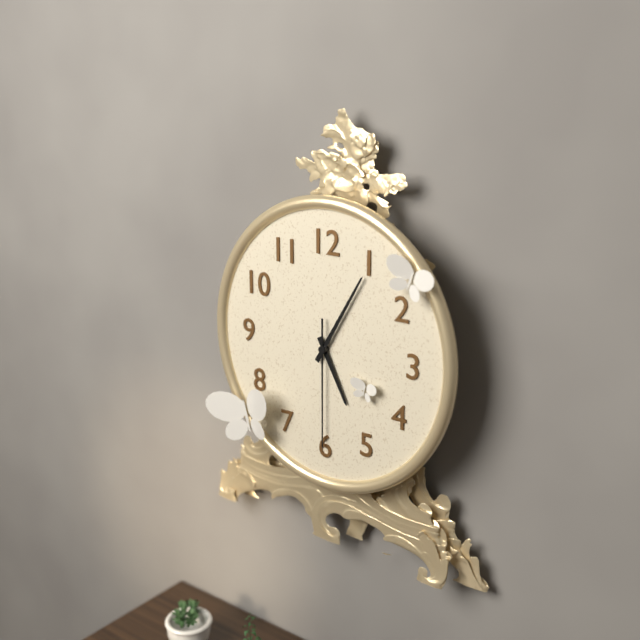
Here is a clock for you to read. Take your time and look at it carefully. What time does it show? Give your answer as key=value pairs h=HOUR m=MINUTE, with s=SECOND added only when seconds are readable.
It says h=5 m=5 s=30
